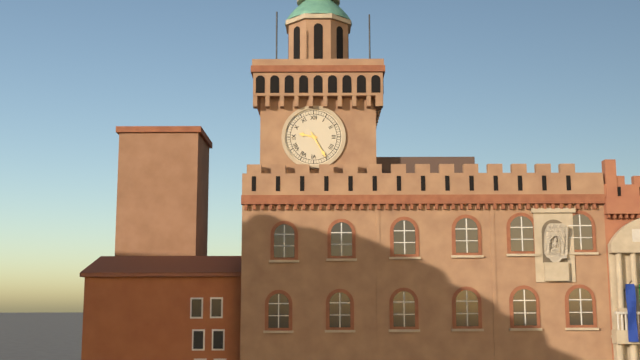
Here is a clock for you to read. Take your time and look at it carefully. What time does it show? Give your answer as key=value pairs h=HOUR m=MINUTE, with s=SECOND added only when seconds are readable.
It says h=9 m=25
